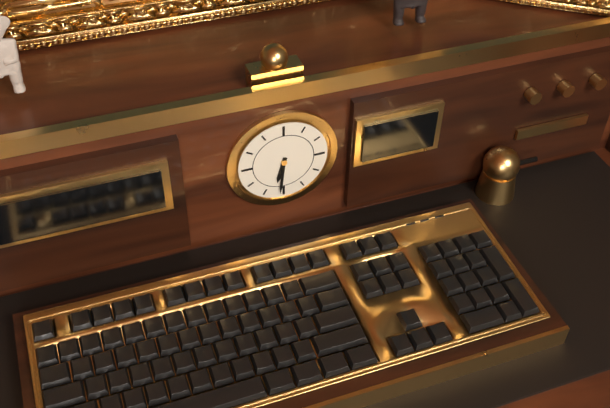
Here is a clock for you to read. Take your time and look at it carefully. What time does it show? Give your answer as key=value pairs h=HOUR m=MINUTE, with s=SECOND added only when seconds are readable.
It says h=6 m=31
